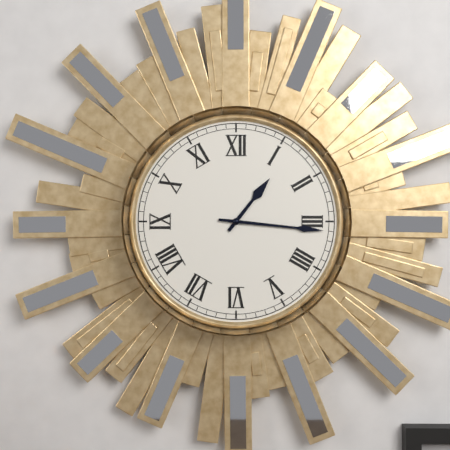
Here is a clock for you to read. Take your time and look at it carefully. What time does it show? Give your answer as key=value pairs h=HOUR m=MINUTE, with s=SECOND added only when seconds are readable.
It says h=1 m=16
